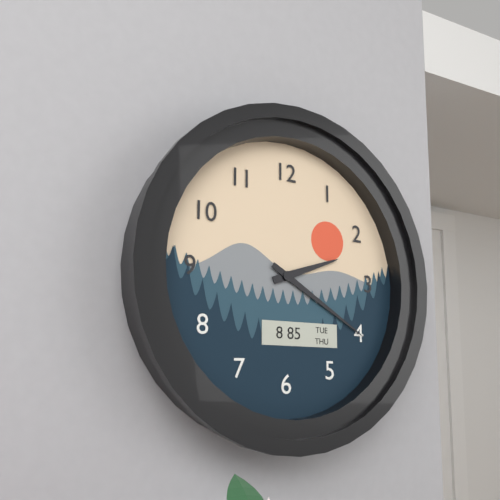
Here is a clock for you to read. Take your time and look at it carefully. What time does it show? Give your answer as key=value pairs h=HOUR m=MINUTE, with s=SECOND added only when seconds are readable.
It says h=2 m=20
